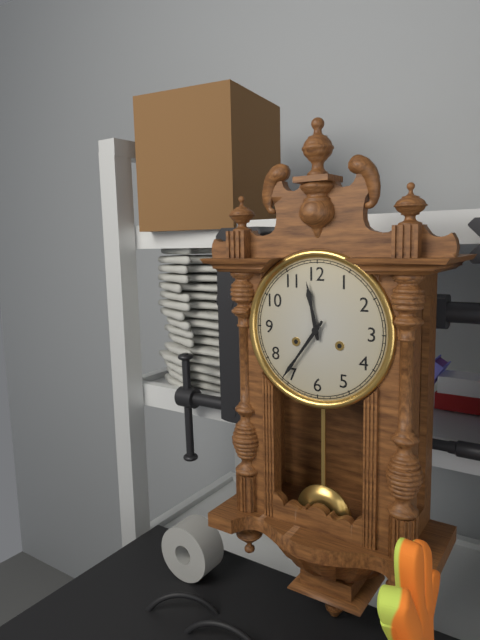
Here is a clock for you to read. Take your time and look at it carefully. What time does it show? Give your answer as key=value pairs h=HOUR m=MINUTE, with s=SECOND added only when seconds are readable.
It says h=11 m=36
